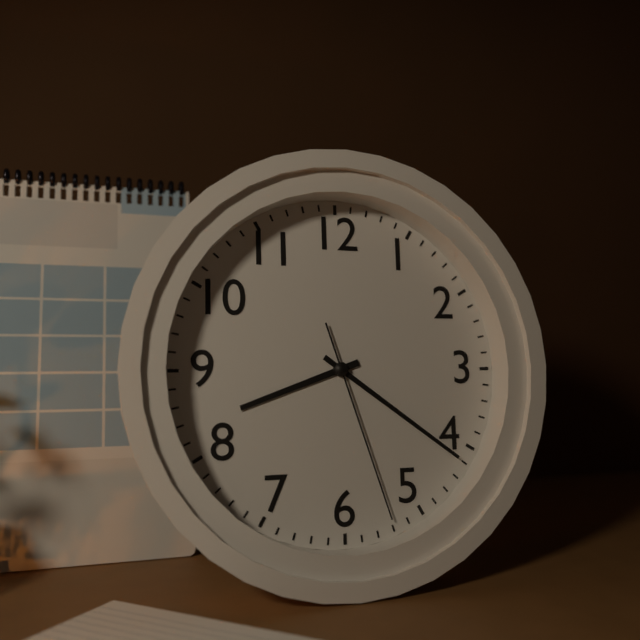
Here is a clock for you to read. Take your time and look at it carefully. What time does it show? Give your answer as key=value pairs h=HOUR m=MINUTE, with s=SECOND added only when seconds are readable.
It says h=8 m=21 s=27
